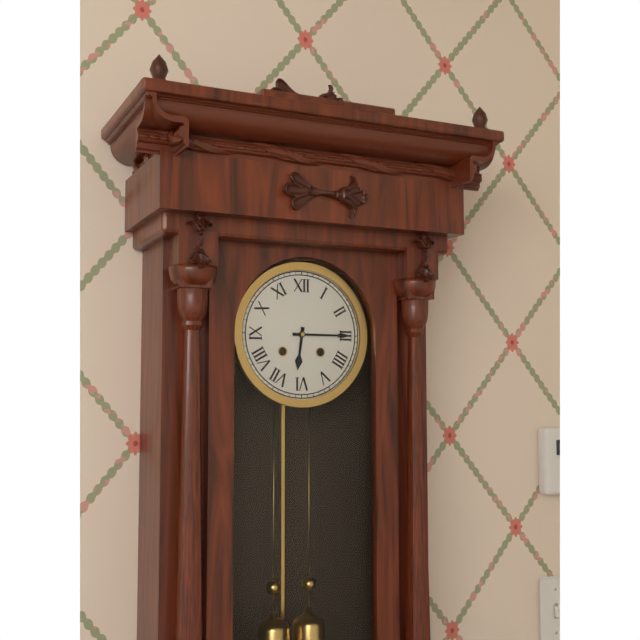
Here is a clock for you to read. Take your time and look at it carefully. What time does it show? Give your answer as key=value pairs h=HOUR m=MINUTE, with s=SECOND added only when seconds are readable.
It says h=6 m=15
